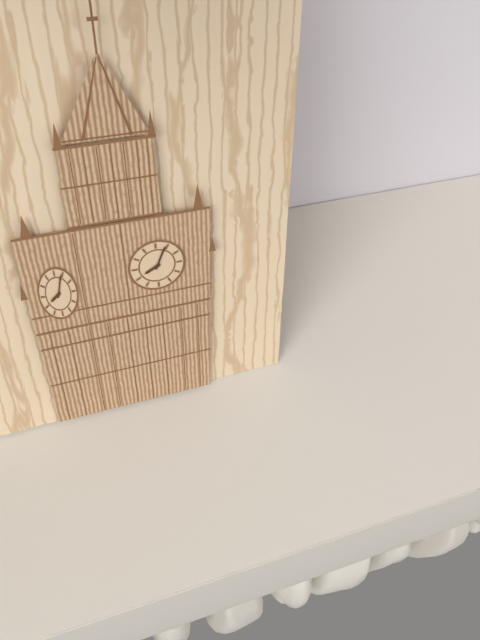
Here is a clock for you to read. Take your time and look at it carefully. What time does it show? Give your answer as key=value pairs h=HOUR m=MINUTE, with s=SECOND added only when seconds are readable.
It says h=8 m=4
